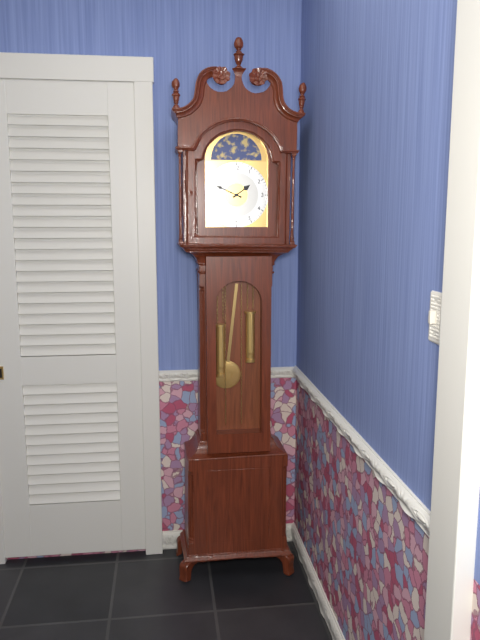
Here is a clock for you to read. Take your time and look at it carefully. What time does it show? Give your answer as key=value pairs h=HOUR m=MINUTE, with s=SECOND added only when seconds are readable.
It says h=1 m=49
